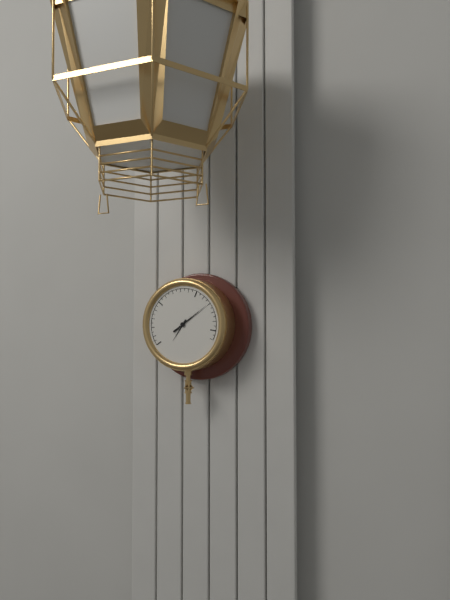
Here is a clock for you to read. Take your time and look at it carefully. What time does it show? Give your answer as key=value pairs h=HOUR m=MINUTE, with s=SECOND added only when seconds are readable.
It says h=7 m=9
